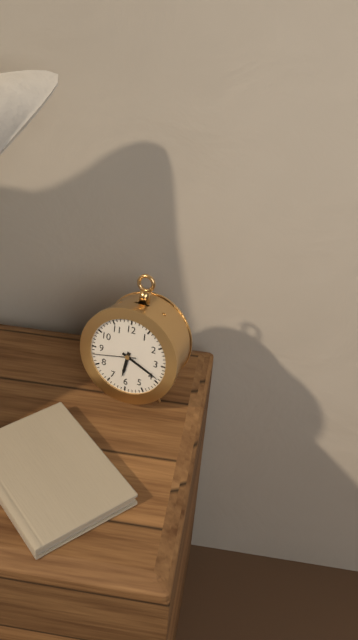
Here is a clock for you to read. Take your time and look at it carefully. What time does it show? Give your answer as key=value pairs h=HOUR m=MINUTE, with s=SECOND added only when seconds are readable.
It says h=6 m=19
